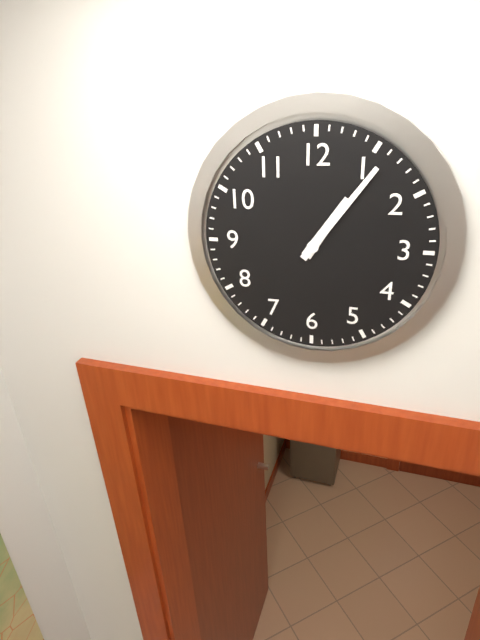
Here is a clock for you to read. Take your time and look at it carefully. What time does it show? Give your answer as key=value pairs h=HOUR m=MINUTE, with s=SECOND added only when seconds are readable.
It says h=1 m=6
